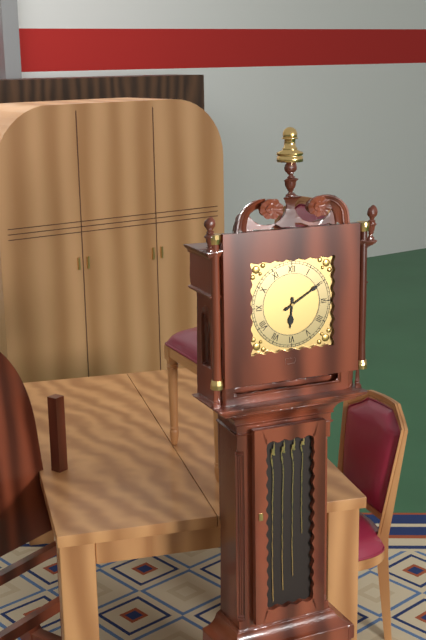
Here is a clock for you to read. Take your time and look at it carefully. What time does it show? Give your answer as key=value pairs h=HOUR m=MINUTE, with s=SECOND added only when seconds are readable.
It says h=6 m=10
